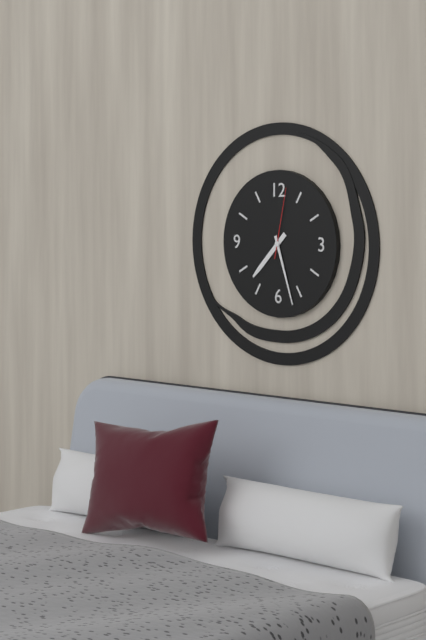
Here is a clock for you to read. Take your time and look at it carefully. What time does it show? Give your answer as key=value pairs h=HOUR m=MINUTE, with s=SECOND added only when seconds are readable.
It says h=7 m=27 s=2
